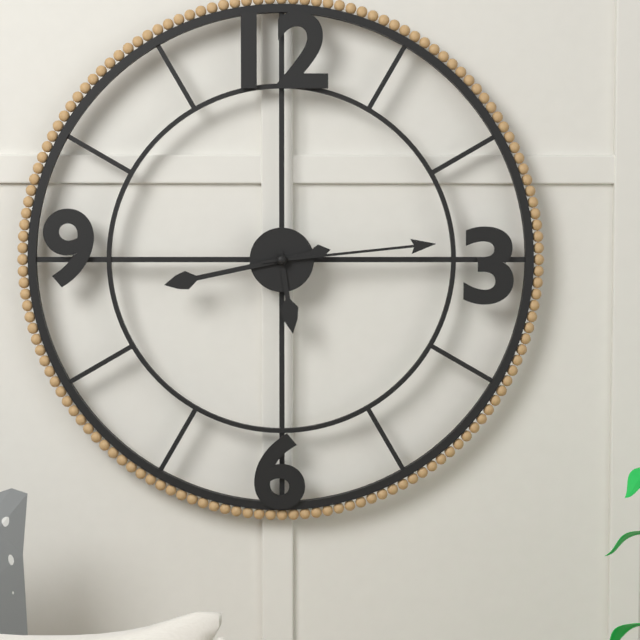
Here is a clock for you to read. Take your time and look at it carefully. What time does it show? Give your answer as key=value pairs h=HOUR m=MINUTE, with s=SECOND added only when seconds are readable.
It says h=5 m=43 s=14
